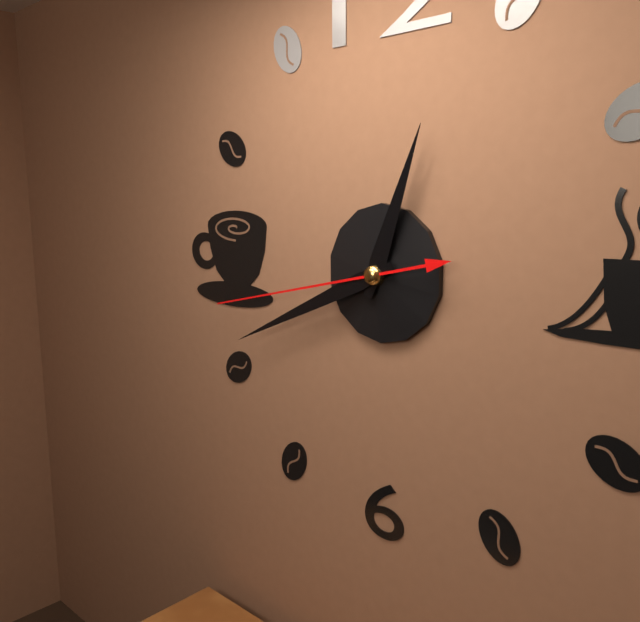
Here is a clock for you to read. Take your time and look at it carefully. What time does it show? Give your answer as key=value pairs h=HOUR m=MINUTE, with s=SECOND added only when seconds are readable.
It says h=12 m=41 s=43
